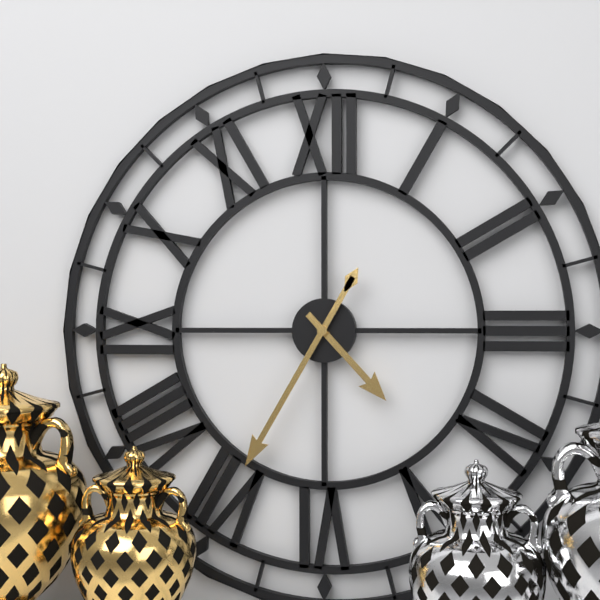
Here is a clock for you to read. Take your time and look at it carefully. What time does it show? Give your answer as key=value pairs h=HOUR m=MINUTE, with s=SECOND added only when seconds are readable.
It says h=4 m=35
